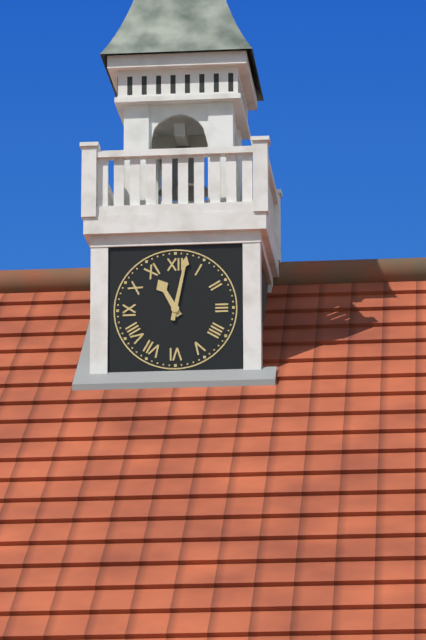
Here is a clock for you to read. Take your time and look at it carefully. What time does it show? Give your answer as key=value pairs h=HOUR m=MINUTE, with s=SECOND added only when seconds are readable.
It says h=11 m=2
